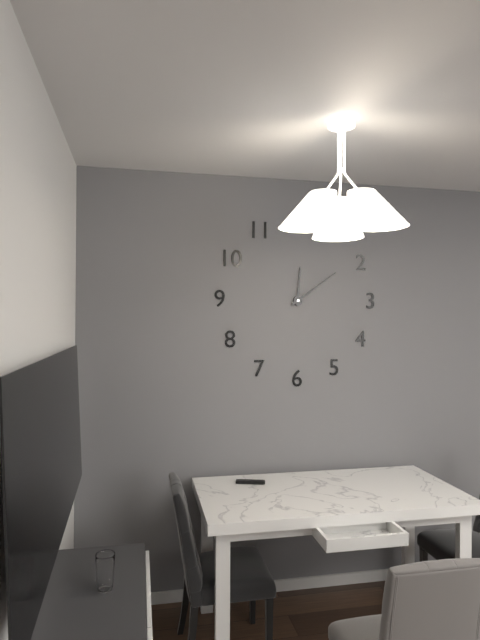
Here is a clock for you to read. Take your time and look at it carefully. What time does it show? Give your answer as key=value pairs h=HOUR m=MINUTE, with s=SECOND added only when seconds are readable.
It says h=12 m=9
